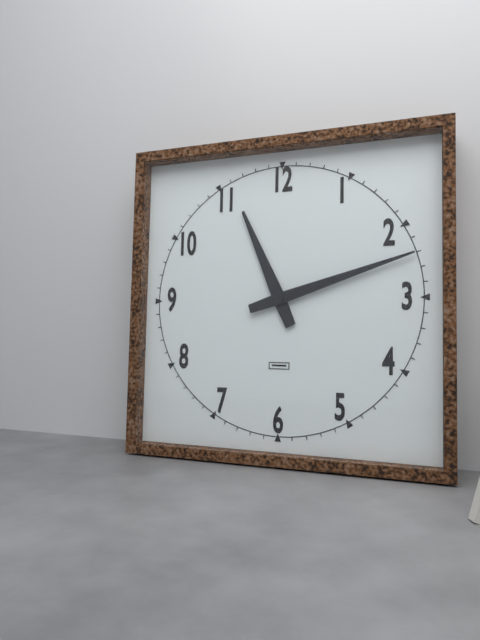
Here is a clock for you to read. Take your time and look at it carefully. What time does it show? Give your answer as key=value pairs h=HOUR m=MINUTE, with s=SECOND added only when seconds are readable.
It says h=11 m=12
